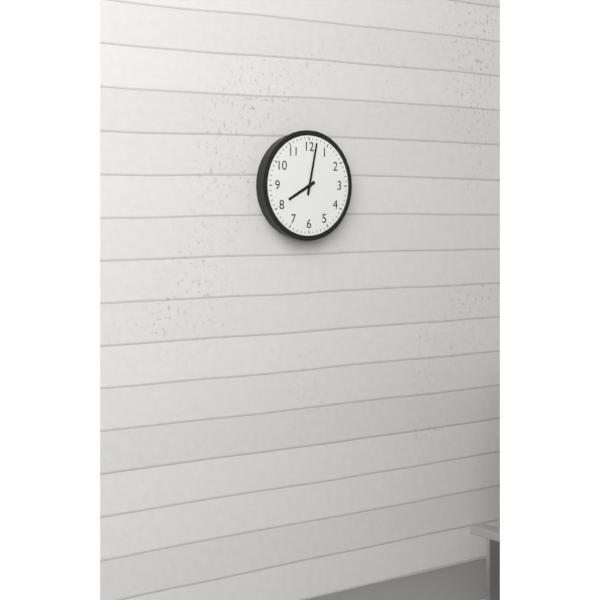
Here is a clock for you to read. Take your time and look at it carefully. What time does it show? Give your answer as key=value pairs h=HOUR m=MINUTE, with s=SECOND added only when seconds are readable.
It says h=8 m=2
